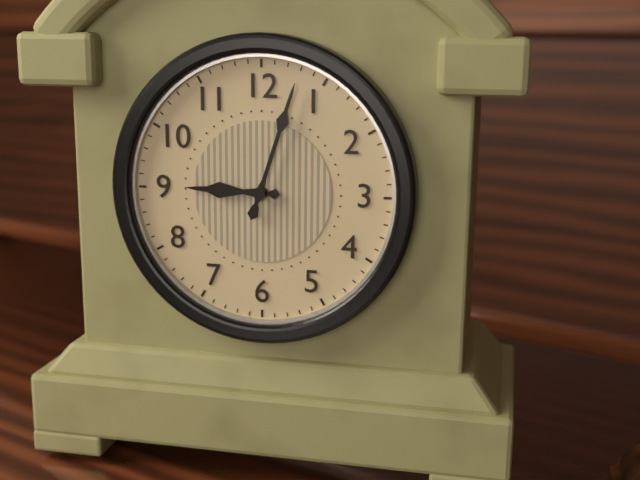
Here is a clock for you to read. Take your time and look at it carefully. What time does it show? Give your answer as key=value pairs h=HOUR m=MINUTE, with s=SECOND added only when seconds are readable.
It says h=9 m=3
